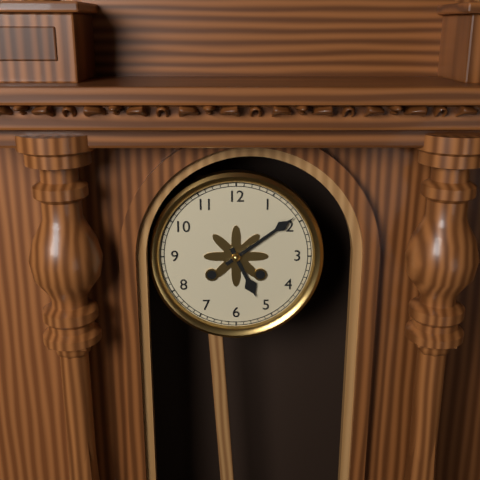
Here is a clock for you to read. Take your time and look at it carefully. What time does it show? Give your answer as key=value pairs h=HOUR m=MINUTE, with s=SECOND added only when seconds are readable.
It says h=5 m=9
